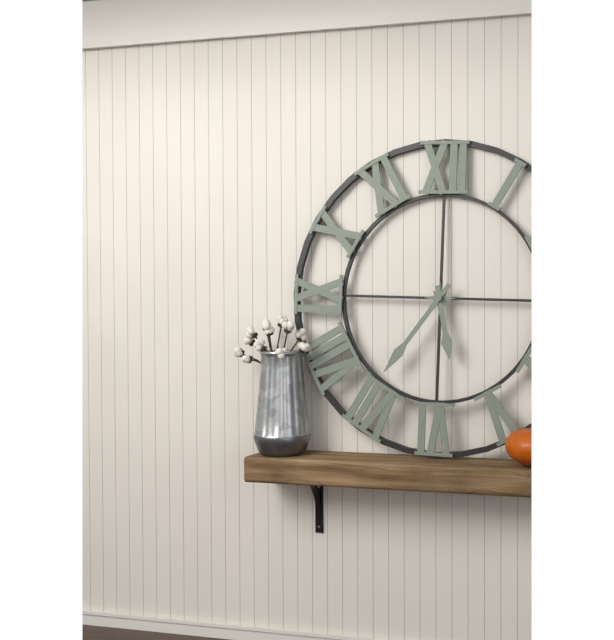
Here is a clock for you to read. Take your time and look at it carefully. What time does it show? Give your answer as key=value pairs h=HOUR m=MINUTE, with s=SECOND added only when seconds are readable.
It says h=5 m=36
